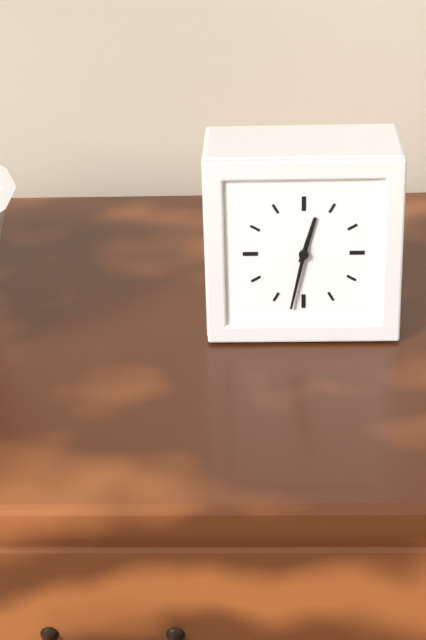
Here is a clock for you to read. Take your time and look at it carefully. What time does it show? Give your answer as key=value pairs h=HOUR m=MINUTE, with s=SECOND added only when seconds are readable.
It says h=12 m=32
